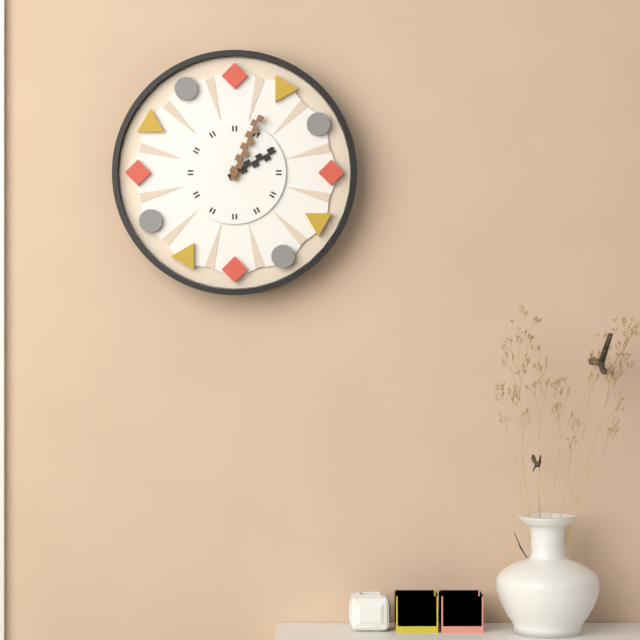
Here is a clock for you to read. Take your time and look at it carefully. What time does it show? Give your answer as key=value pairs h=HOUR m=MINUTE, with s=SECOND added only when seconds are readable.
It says h=2 m=4
